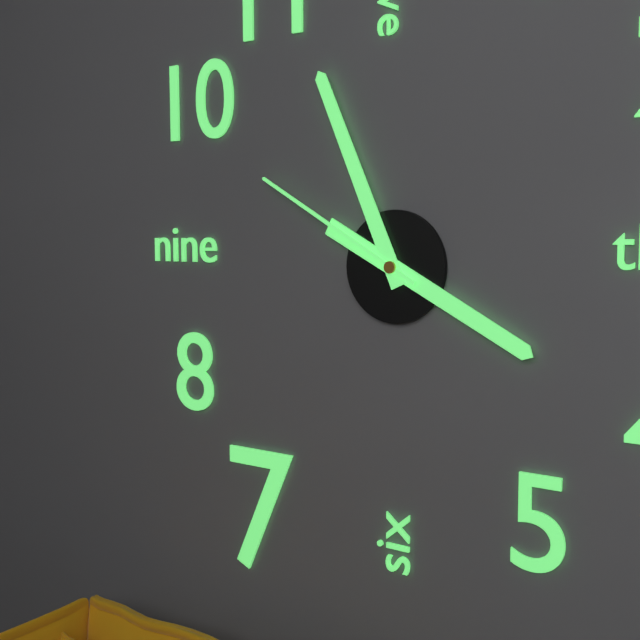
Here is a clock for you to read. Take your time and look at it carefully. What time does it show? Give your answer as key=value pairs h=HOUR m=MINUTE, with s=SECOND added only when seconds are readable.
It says h=3 m=56 s=50
